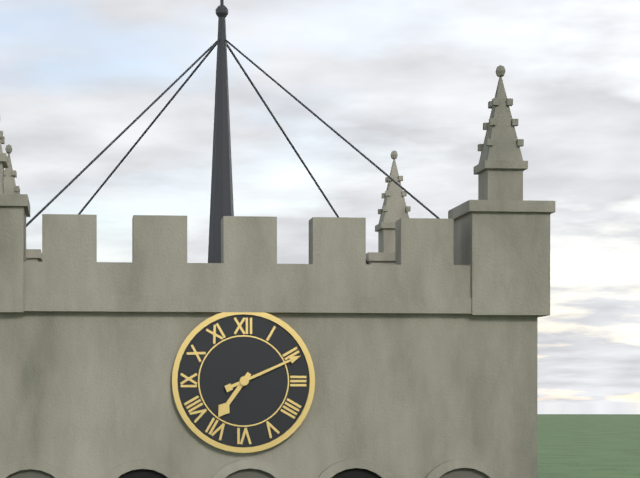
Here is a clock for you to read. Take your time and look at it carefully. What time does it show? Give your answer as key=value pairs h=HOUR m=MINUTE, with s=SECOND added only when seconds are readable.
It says h=7 m=11
